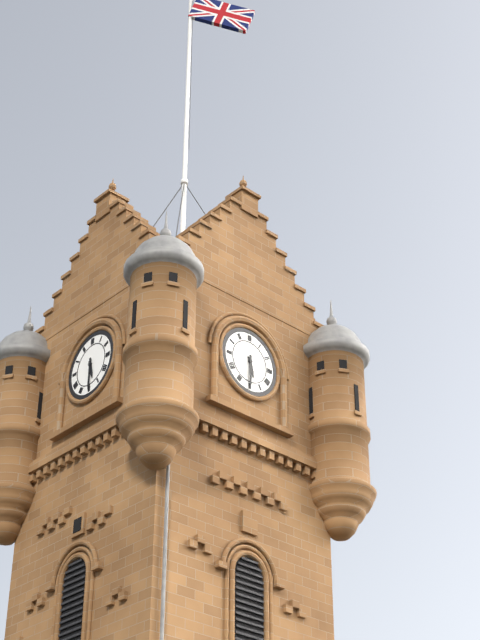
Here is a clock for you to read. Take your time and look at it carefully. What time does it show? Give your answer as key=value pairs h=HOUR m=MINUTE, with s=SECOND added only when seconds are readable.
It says h=5 m=30
